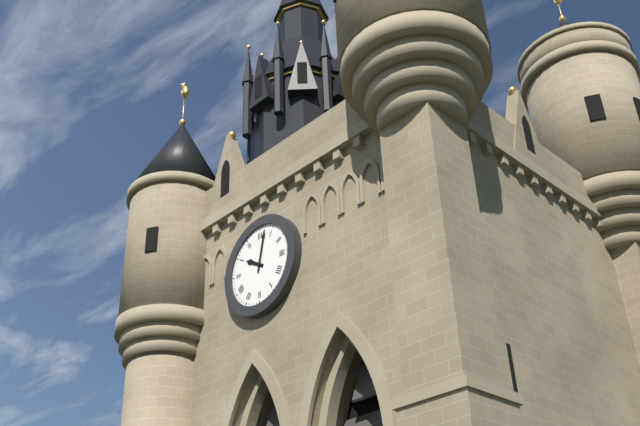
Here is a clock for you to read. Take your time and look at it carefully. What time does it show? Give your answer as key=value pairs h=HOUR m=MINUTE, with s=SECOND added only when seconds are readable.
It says h=10 m=2
